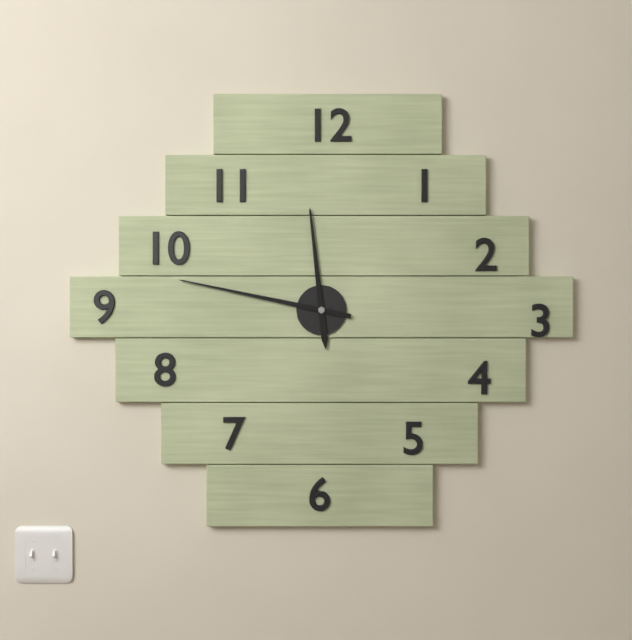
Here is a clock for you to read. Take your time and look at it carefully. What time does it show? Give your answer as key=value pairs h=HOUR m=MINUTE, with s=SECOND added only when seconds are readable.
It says h=11 m=47
